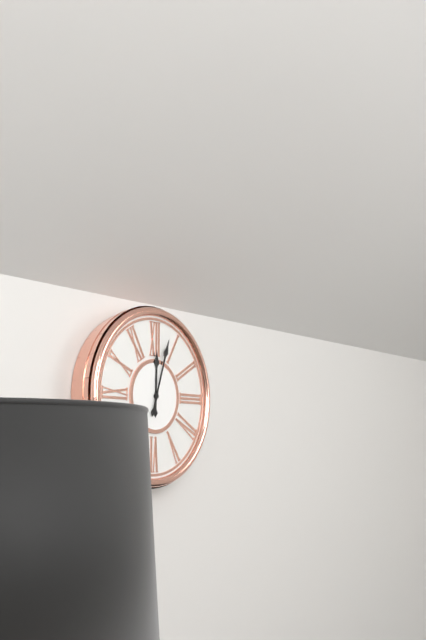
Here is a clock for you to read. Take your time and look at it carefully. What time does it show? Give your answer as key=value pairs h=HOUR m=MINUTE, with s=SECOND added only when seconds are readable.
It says h=12 m=3
